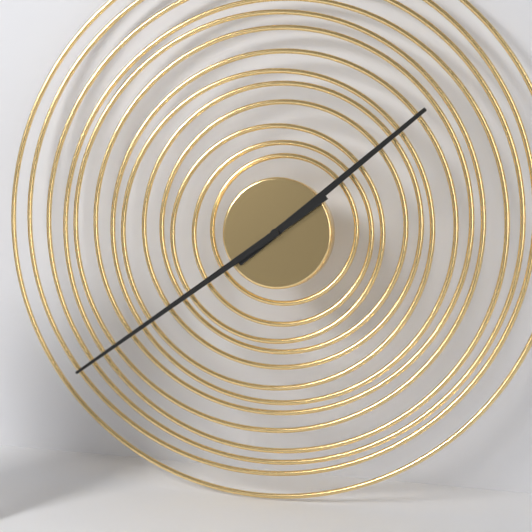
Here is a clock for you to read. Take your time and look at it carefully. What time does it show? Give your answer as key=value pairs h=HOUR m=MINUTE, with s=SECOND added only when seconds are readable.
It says h=1 m=39
